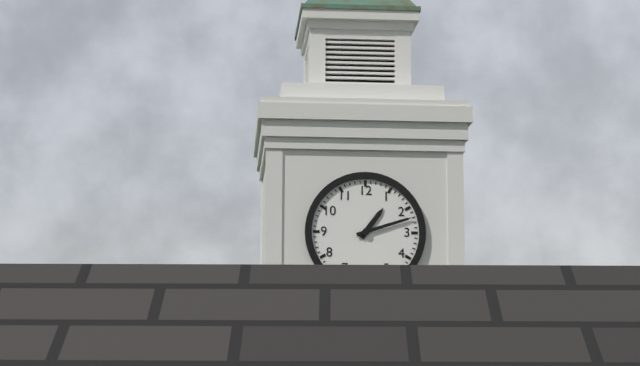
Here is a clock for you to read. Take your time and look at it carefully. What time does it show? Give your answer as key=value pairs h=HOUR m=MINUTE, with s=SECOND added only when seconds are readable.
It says h=1 m=12
